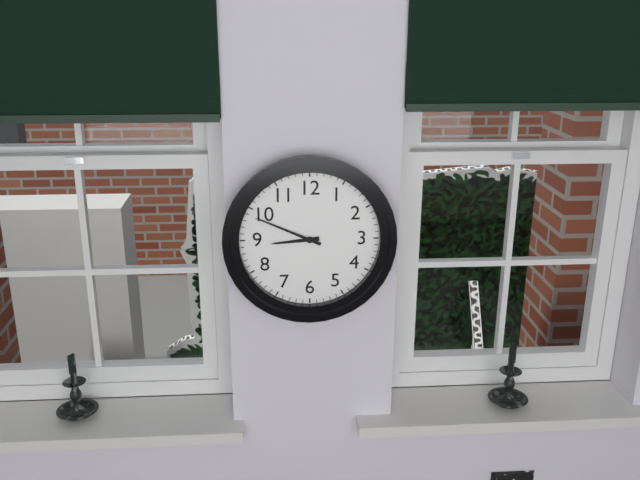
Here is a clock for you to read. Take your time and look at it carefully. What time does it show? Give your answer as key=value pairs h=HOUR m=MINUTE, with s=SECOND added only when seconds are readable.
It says h=8 m=49
